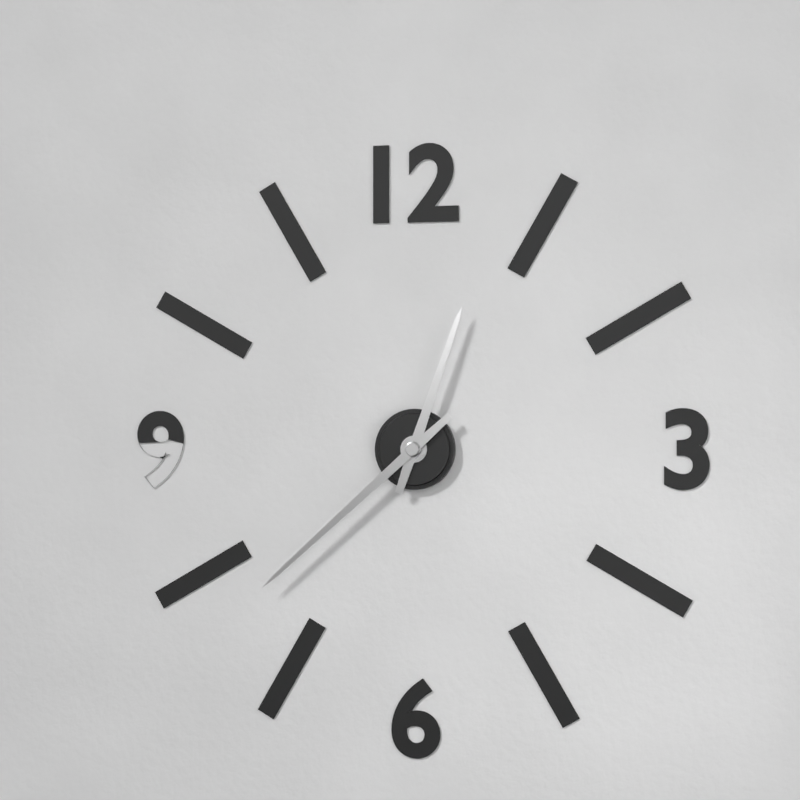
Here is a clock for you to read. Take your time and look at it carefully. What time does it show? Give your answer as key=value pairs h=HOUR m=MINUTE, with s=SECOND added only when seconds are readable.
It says h=12 m=38
